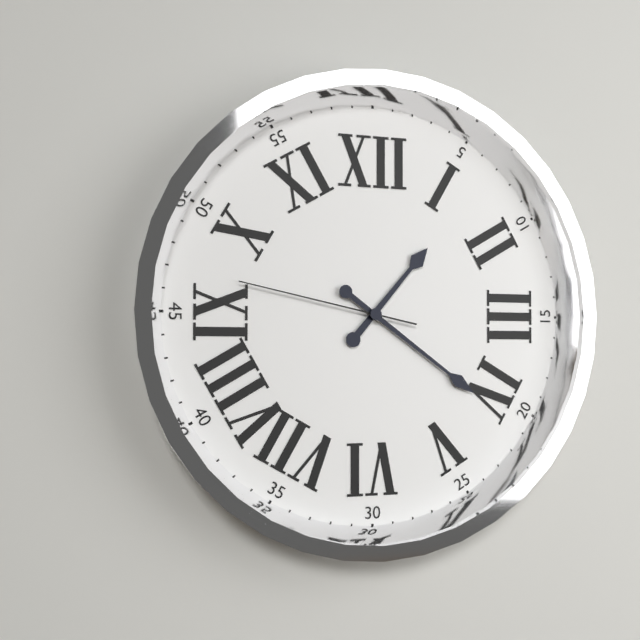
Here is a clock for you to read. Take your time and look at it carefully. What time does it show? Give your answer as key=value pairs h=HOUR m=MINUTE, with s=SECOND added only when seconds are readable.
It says h=1 m=21 s=47
